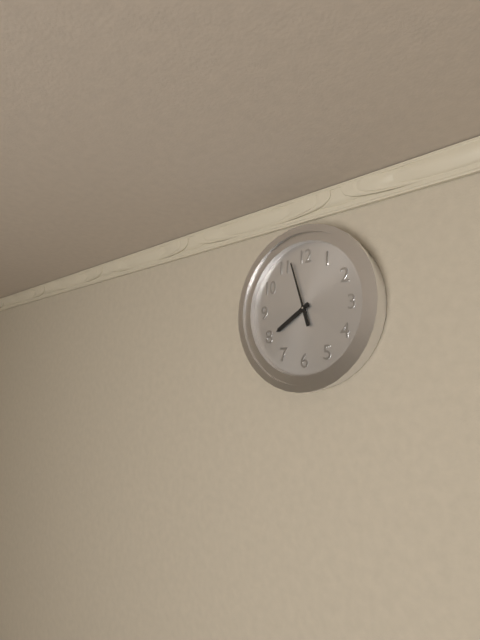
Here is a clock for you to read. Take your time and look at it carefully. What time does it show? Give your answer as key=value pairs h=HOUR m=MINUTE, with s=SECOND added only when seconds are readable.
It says h=7 m=57
